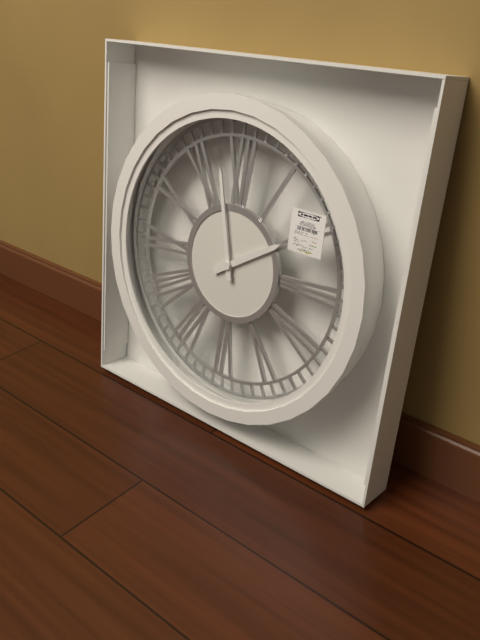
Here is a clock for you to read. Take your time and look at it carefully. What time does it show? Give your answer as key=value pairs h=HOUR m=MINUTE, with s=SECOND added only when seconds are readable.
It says h=1 m=58
